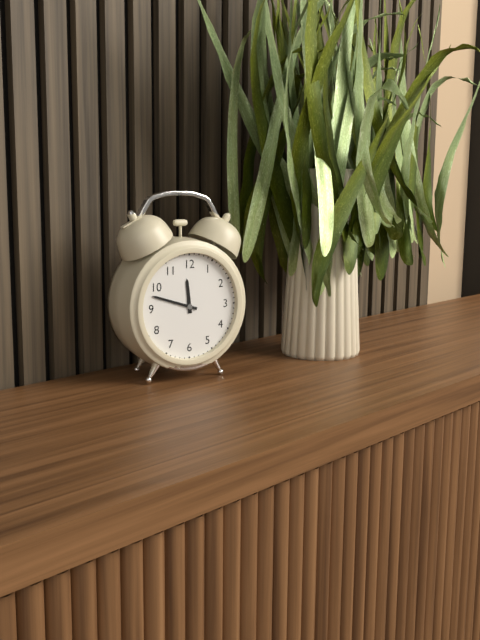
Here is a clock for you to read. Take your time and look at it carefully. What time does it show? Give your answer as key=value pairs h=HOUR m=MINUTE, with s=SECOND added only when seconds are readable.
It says h=11 m=48
